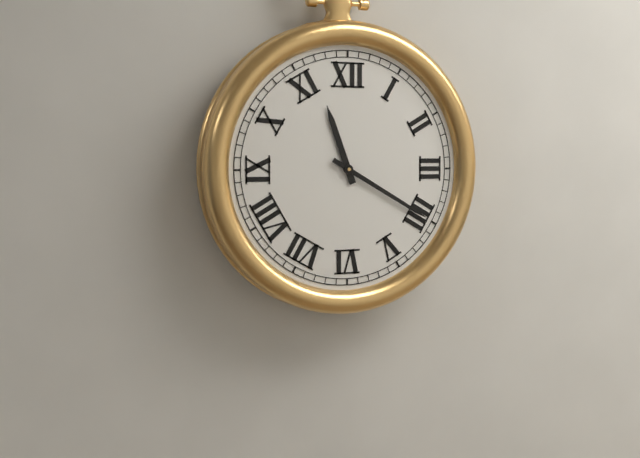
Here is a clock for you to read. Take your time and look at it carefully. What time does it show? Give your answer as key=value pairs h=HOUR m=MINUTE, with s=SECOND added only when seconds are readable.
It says h=11 m=20
